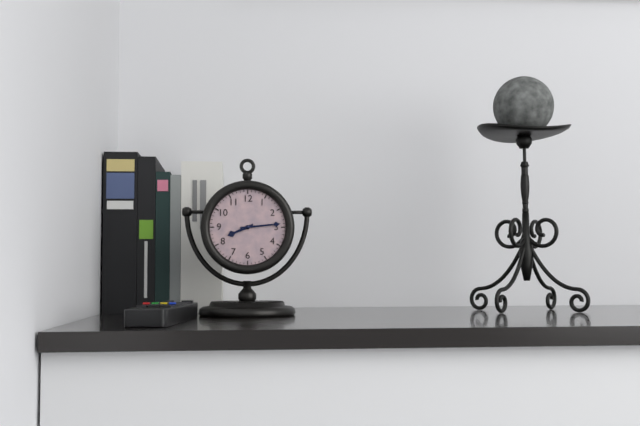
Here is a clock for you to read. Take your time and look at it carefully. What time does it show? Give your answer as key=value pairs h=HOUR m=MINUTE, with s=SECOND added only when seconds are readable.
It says h=8 m=14
